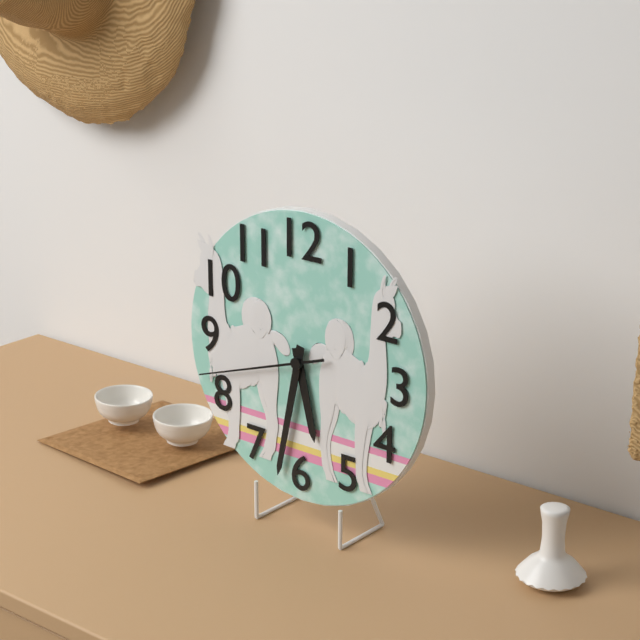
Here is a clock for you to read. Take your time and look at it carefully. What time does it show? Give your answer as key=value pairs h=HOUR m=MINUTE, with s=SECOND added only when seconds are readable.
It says h=5 m=32 s=42
